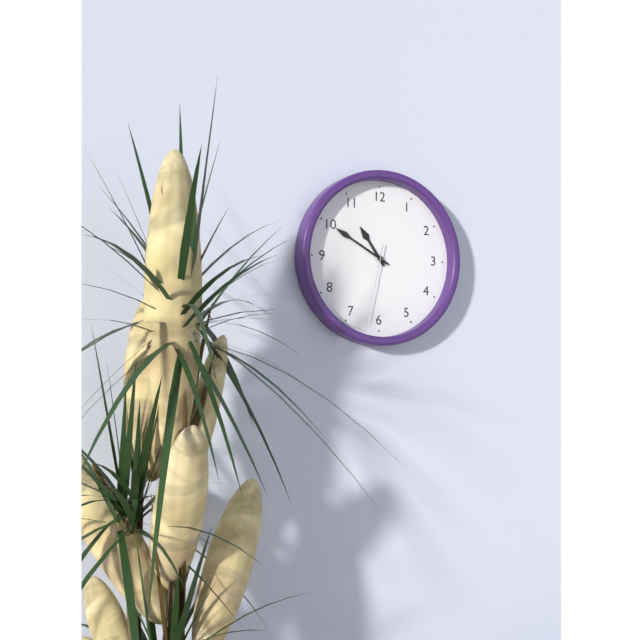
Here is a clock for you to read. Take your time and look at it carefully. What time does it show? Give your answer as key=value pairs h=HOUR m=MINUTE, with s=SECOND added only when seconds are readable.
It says h=10 m=50 s=32
